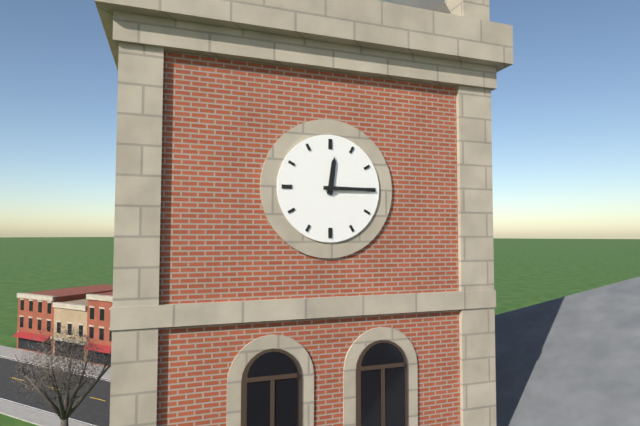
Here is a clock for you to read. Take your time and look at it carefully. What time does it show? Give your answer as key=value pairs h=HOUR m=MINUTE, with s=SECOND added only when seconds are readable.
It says h=12 m=15
